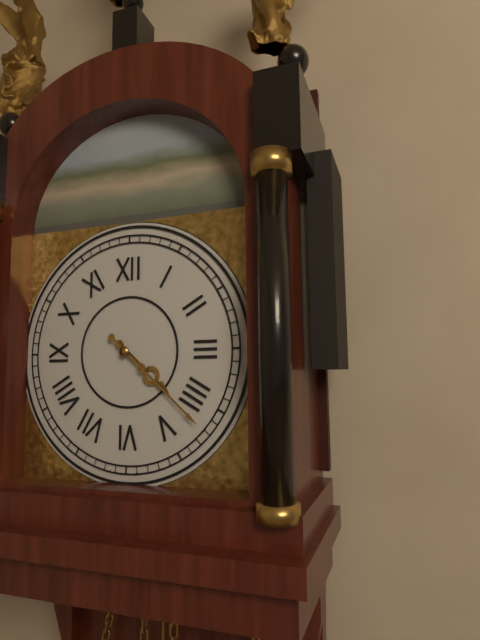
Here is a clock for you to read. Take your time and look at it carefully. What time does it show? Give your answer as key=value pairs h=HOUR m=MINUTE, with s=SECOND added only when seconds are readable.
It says h=4 m=22
